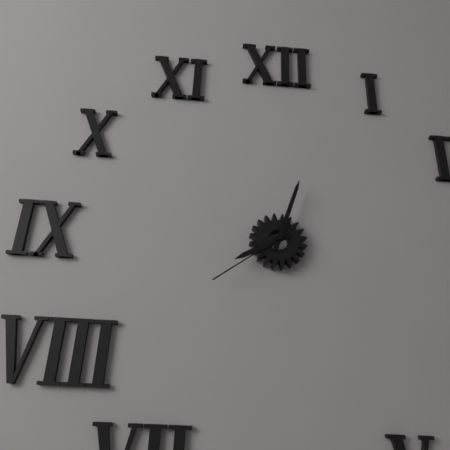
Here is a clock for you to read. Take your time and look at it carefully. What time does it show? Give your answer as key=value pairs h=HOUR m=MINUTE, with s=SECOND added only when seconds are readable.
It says h=8 m=3 s=39
